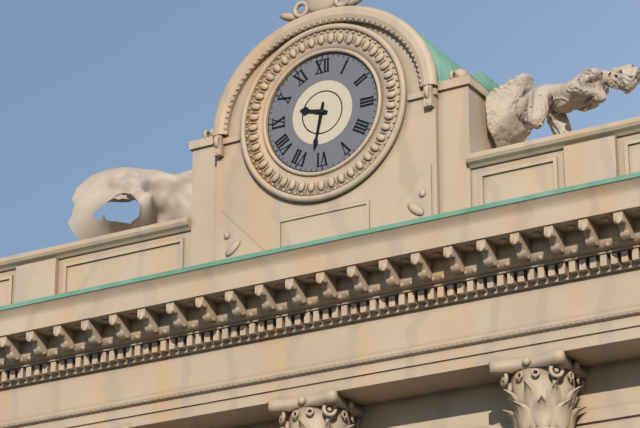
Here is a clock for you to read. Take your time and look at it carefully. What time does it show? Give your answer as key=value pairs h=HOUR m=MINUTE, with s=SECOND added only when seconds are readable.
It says h=9 m=32
